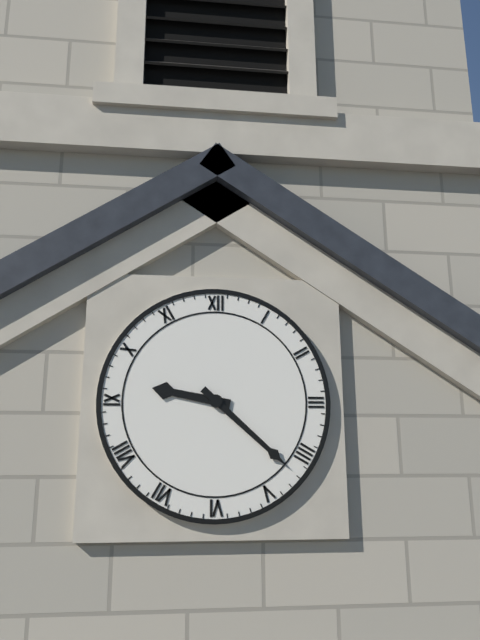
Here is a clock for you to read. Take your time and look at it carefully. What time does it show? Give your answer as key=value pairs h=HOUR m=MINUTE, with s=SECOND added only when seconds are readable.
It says h=9 m=22
